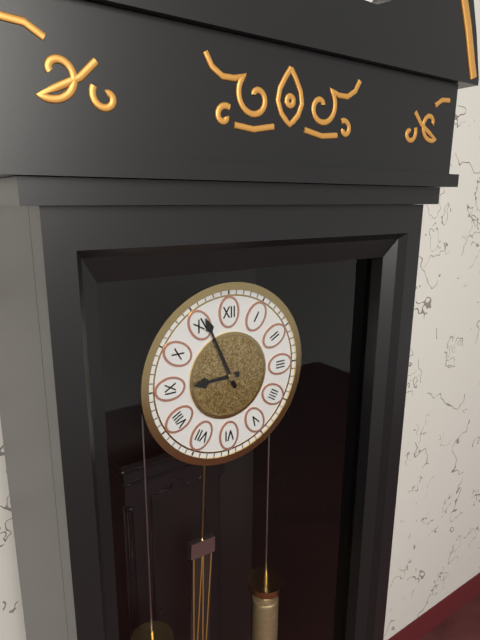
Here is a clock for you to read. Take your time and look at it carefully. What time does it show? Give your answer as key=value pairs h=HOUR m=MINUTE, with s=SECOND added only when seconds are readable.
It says h=8 m=56
